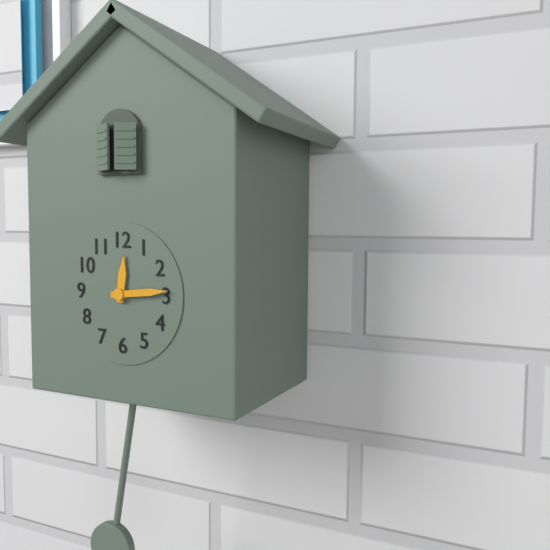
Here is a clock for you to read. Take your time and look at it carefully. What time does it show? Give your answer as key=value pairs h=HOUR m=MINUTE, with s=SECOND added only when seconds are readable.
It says h=12 m=14
